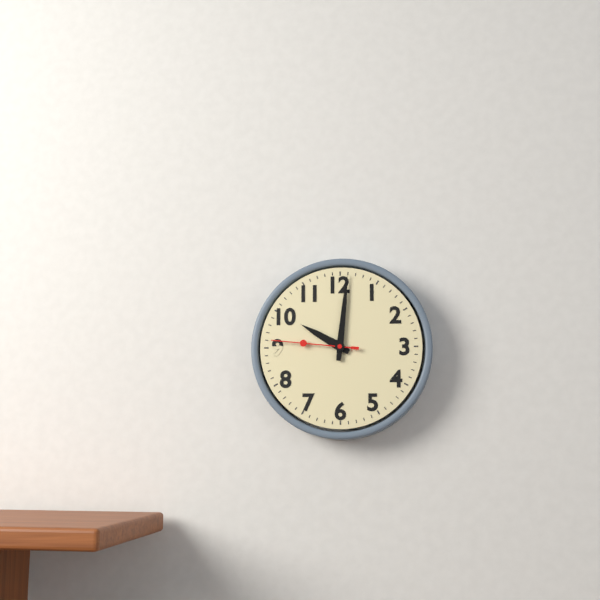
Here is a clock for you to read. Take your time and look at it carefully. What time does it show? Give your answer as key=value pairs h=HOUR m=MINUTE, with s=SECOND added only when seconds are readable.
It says h=10 m=1 s=46
